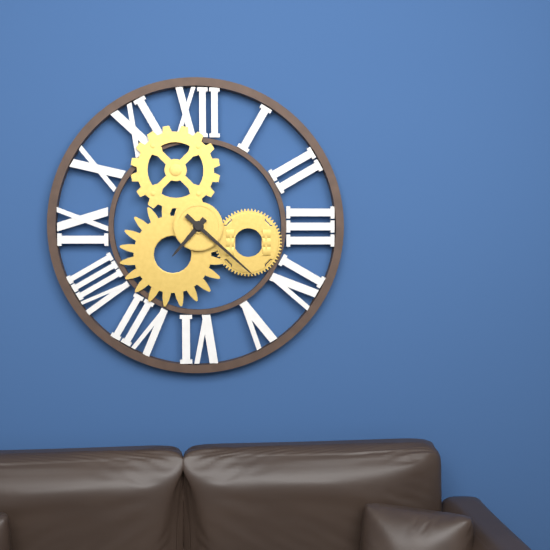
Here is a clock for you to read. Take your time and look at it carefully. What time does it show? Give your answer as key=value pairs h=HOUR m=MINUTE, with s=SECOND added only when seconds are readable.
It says h=7 m=22
